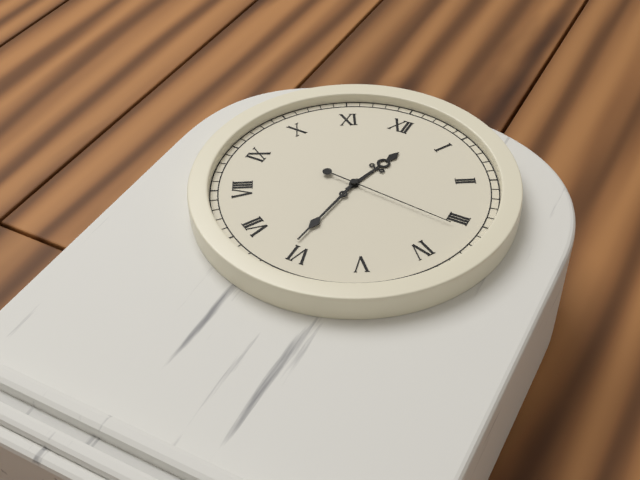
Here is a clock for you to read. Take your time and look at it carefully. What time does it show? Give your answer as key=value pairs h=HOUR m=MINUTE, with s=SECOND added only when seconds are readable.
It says h=12 m=31 s=16
